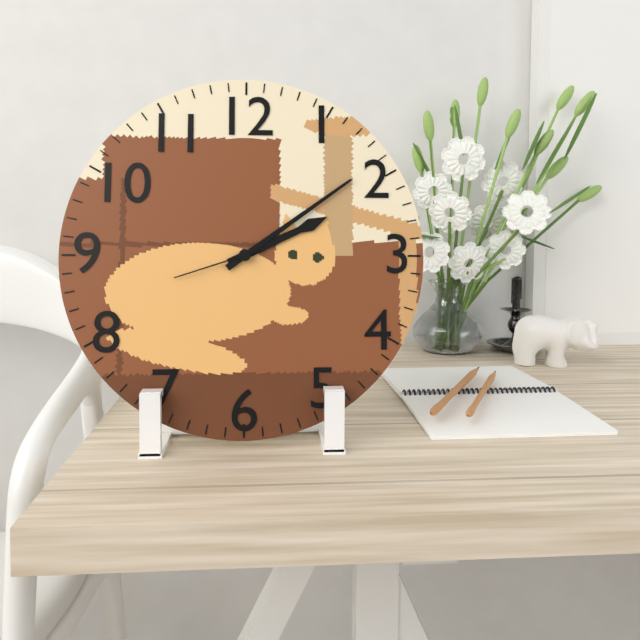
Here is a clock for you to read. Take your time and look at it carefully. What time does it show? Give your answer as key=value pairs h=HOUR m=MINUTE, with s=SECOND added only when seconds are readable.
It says h=2 m=9 s=42
